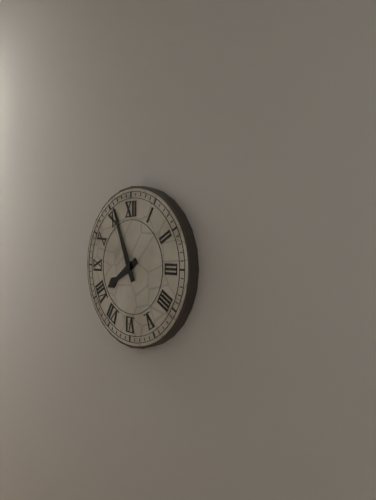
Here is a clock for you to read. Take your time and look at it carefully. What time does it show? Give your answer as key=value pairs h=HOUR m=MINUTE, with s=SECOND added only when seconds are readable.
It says h=7 m=56
